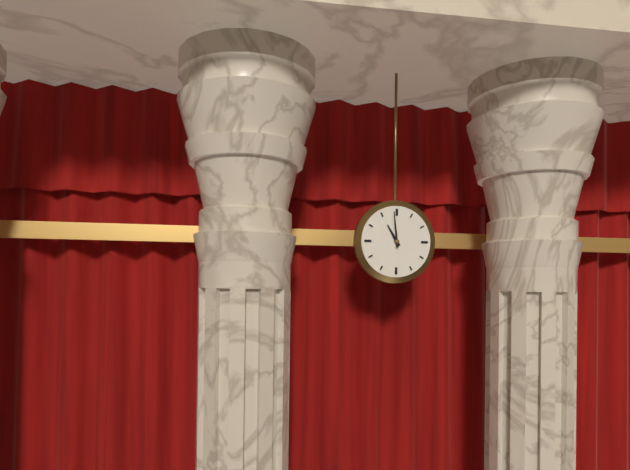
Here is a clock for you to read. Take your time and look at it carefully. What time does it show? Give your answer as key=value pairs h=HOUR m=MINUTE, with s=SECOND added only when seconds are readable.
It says h=10 m=59
